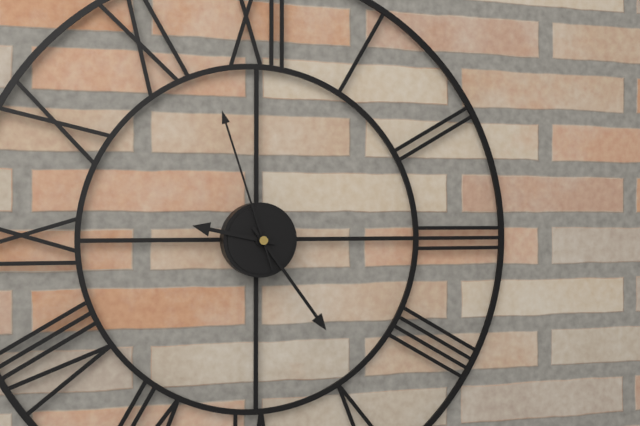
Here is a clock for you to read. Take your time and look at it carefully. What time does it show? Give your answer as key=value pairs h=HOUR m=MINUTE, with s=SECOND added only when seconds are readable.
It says h=9 m=24 s=57
